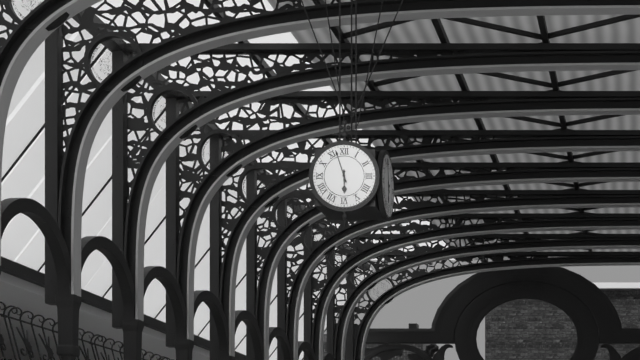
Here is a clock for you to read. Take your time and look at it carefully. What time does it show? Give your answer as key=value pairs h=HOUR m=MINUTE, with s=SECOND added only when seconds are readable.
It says h=5 m=57
